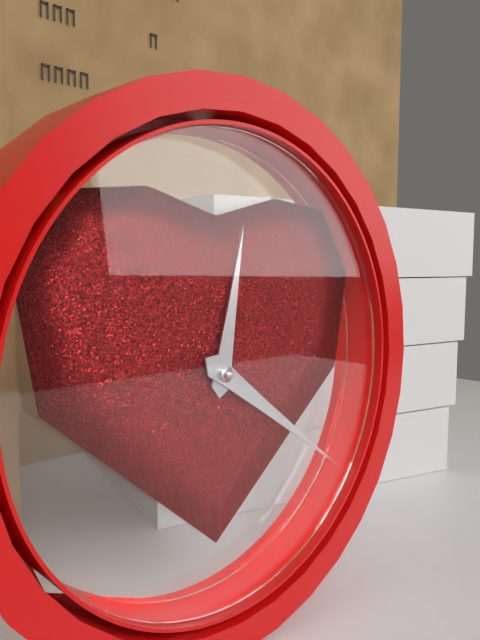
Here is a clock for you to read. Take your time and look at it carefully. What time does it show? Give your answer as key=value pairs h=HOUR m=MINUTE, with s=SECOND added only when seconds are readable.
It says h=12 m=21
